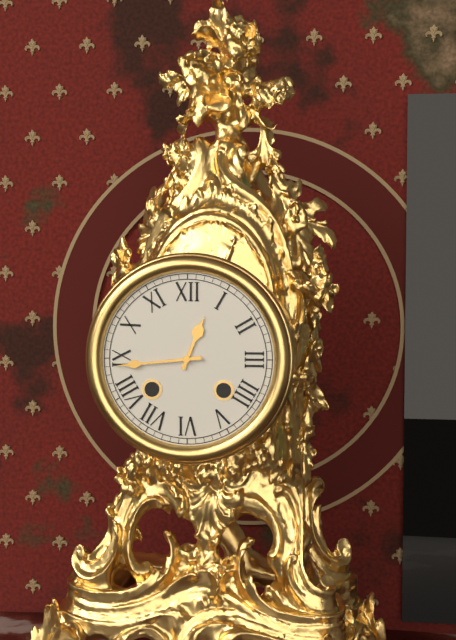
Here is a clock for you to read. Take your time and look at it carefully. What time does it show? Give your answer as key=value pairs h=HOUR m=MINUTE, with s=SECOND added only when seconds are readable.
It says h=12 m=44
